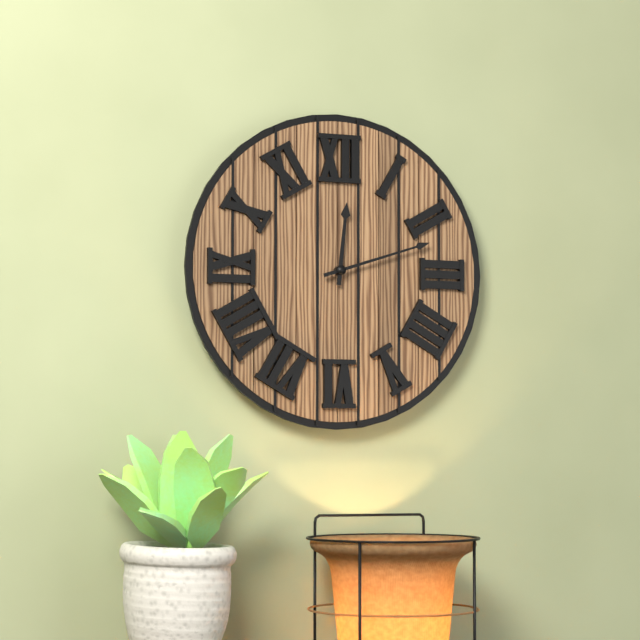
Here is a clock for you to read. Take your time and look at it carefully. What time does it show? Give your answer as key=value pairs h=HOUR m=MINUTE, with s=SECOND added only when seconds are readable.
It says h=12 m=12
